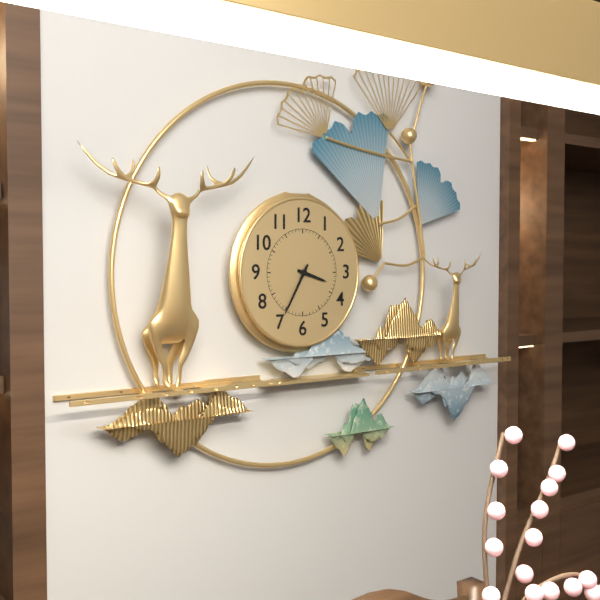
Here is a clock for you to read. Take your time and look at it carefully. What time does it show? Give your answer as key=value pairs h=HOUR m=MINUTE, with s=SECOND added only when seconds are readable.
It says h=3 m=35
